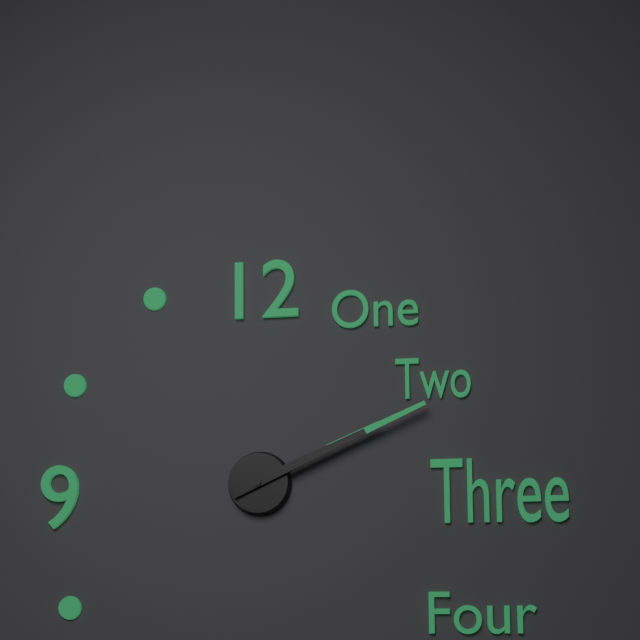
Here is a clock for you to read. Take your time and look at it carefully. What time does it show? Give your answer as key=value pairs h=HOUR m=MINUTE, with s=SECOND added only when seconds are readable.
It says h=2 m=11
